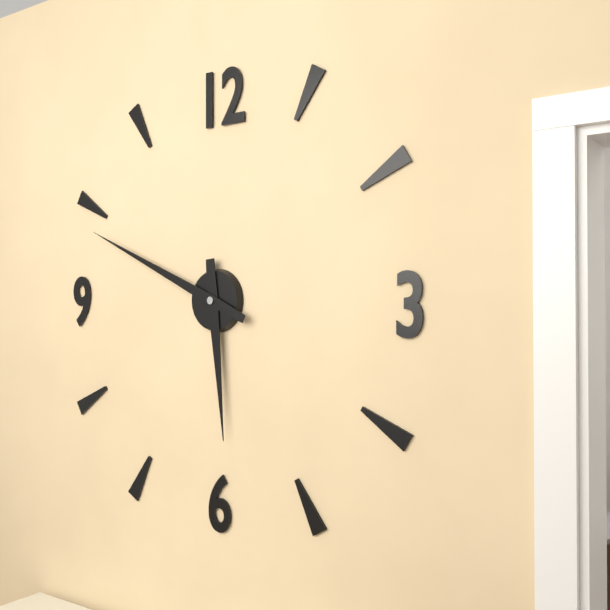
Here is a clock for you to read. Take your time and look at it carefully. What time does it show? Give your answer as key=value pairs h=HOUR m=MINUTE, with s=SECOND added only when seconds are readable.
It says h=5 m=49
